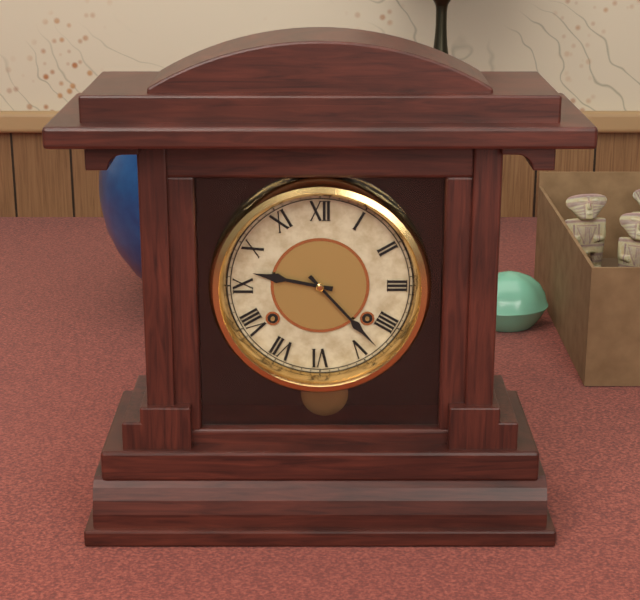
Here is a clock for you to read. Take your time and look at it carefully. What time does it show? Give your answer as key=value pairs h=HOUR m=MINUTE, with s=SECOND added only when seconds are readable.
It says h=9 m=23
